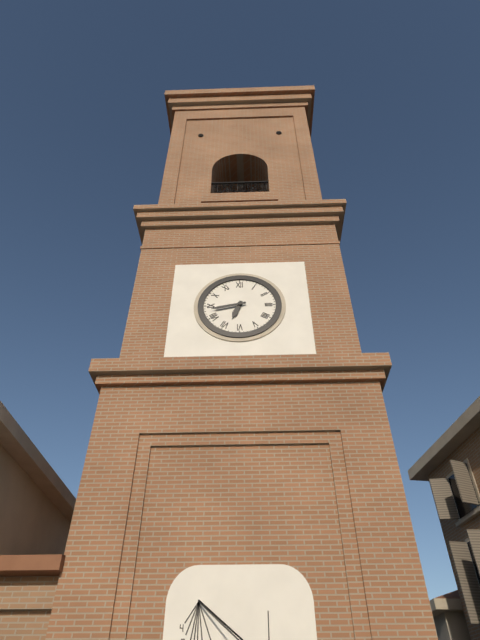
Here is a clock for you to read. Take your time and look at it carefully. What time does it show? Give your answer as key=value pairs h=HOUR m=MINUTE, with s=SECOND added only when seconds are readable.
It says h=6 m=43
